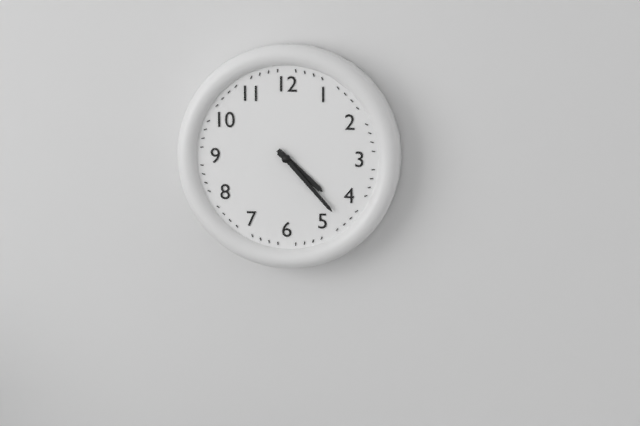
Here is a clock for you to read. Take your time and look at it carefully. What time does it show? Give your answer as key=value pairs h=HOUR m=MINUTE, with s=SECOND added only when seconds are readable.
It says h=4 m=23
